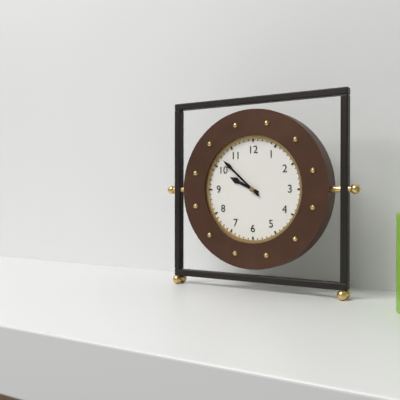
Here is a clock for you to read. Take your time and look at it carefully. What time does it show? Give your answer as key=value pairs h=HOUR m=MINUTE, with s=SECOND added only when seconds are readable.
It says h=9 m=52
